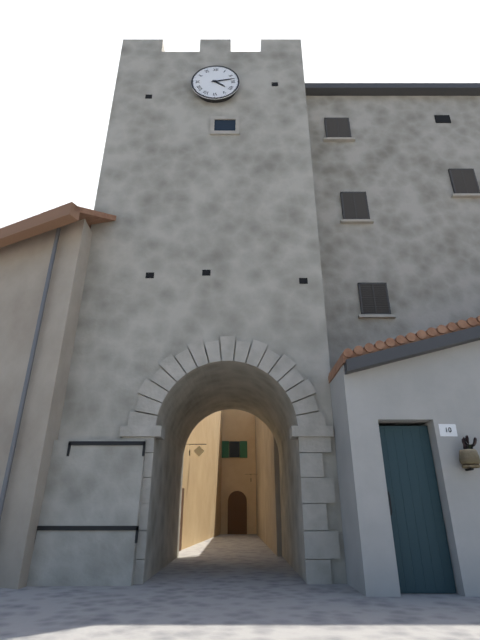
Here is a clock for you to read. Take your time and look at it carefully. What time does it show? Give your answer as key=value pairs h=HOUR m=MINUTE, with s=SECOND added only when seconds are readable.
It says h=4 m=13
